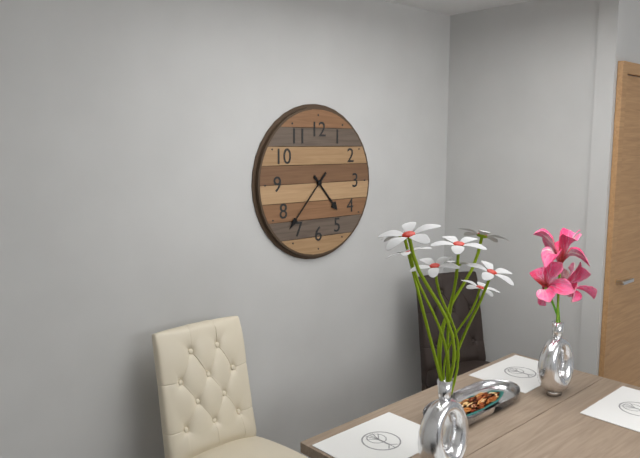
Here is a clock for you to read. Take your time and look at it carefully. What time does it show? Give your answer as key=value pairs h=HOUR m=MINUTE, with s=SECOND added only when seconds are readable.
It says h=4 m=37
